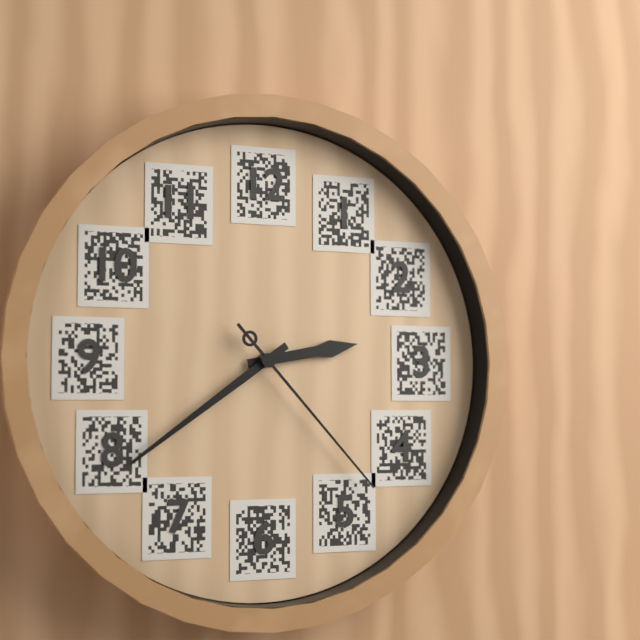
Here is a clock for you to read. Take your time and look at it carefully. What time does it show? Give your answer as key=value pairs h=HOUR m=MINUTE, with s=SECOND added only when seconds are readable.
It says h=2 m=39 s=23
